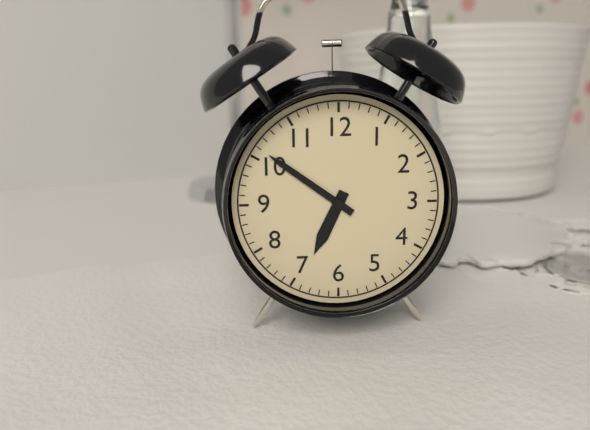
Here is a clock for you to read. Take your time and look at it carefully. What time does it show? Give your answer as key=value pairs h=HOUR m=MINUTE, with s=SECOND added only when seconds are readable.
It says h=6 m=51
